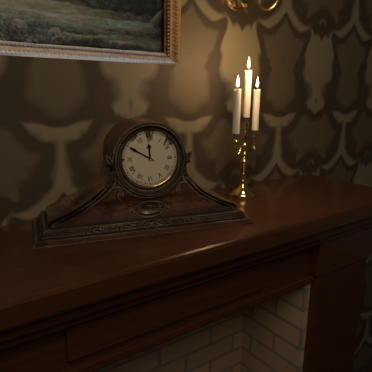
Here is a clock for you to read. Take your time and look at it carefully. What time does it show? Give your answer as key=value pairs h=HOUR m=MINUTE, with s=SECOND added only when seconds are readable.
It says h=11 m=50
